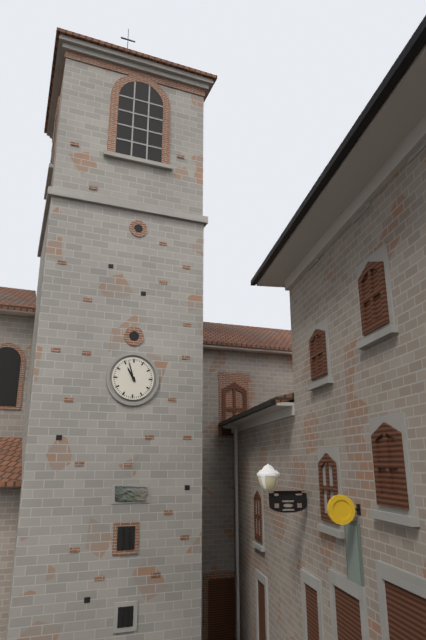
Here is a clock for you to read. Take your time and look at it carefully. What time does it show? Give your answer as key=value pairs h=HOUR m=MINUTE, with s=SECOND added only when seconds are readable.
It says h=10 m=57
